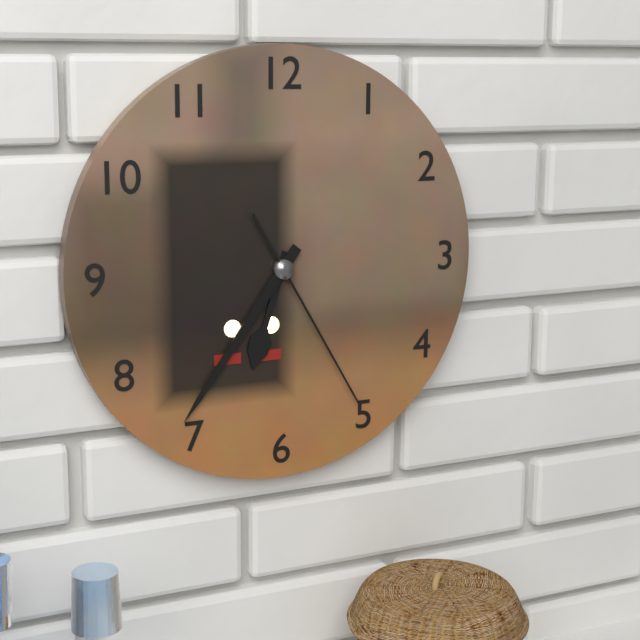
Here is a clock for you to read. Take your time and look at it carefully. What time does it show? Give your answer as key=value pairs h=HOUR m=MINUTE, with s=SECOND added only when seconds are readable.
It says h=6 m=36 s=25
